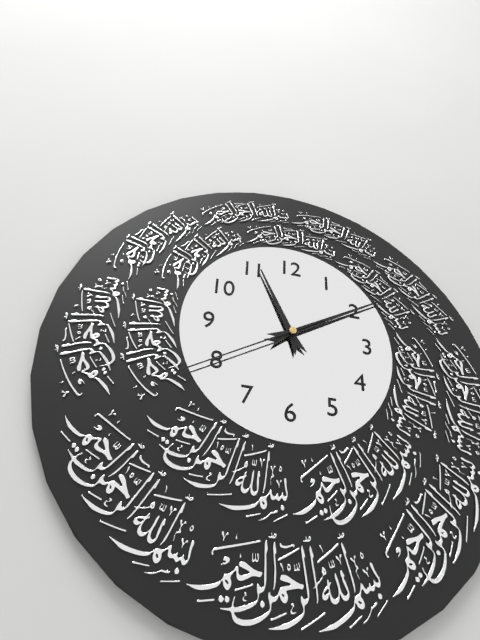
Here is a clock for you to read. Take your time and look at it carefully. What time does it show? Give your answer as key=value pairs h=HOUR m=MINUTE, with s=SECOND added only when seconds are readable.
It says h=11 m=10 s=40
